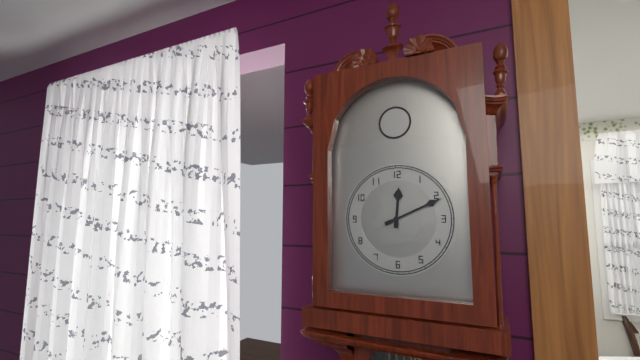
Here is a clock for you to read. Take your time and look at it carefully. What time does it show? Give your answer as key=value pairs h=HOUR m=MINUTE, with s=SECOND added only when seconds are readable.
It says h=12 m=11
